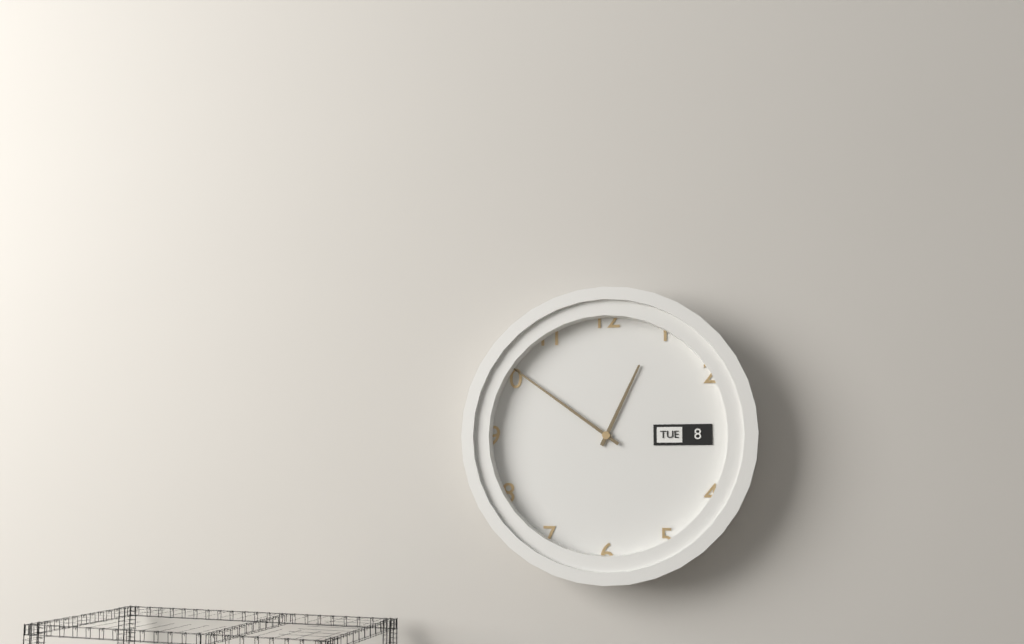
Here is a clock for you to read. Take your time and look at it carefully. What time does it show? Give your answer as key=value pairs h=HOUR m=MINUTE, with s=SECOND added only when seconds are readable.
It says h=12 m=51
